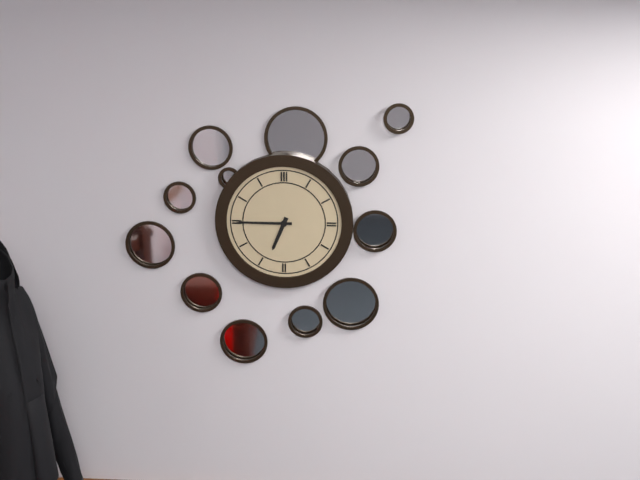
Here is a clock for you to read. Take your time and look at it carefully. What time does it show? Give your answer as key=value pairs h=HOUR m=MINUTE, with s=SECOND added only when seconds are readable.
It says h=6 m=45
